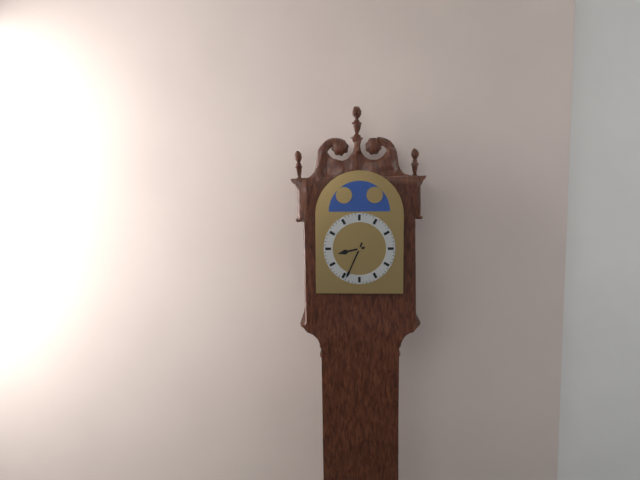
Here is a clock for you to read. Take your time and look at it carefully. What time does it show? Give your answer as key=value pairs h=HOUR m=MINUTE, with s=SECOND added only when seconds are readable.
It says h=8 m=34
